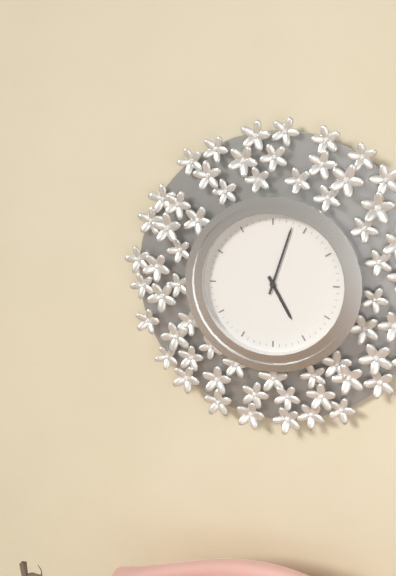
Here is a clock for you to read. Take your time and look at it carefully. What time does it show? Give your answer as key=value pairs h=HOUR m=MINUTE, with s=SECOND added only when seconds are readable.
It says h=5 m=3
